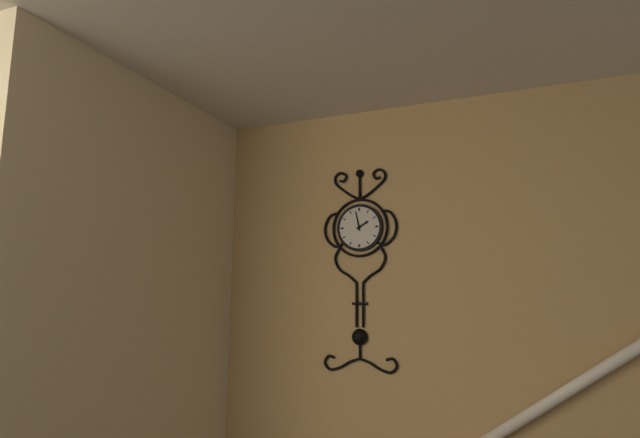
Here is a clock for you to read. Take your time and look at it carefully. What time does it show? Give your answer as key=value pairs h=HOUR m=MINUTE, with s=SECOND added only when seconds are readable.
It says h=1 m=58
